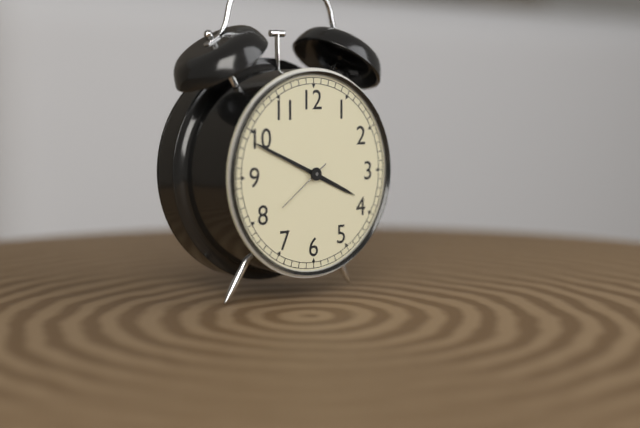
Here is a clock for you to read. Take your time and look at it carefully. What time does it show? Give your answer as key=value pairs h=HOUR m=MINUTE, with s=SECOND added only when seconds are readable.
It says h=3 m=49 s=39
